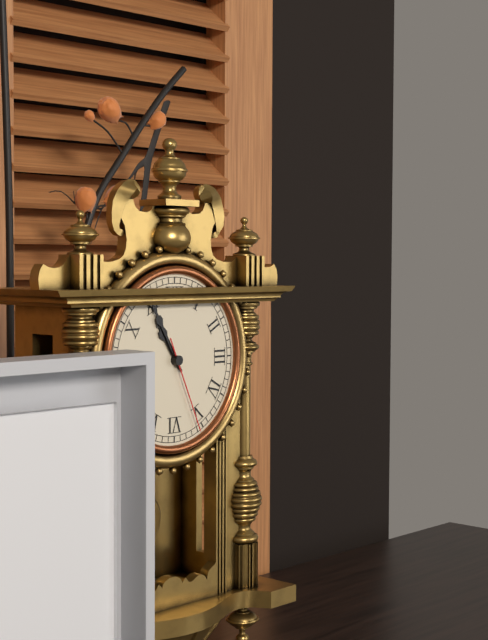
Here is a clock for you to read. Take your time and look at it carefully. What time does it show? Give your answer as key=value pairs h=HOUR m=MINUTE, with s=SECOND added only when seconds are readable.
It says h=10 m=55 s=26
